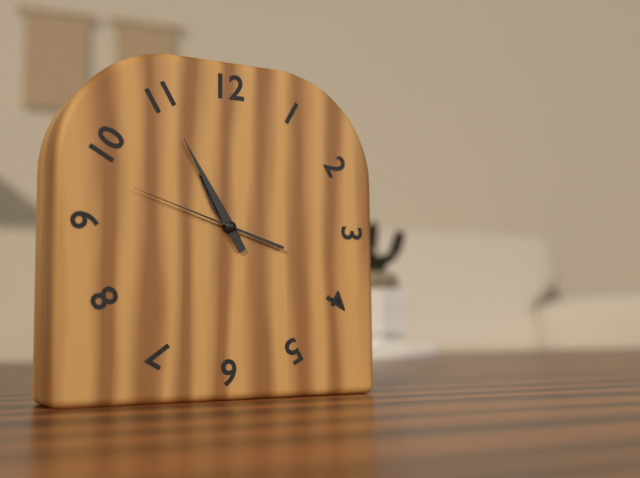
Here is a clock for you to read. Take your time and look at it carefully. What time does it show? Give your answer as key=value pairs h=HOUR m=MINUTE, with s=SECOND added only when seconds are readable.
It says h=10 m=55 s=48
